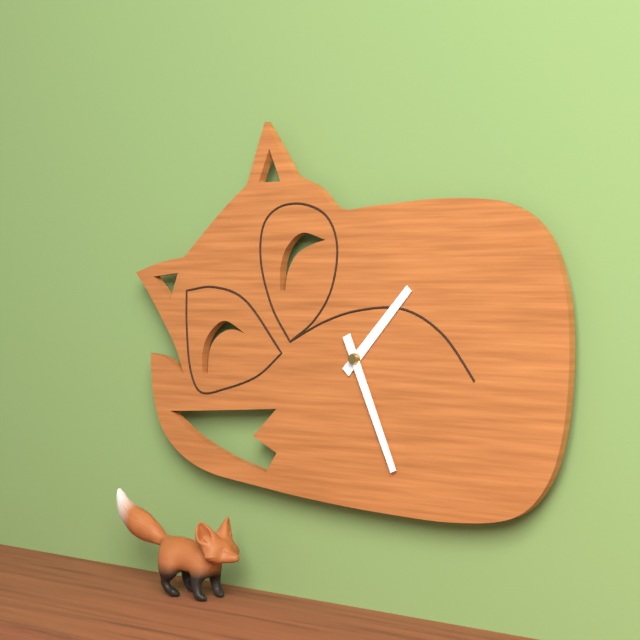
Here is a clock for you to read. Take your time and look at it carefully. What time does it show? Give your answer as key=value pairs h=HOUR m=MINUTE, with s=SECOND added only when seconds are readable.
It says h=1 m=26
